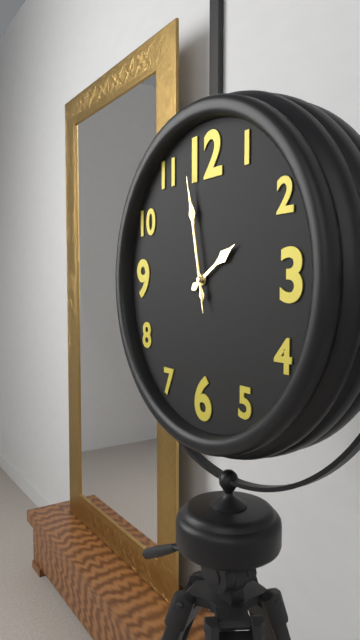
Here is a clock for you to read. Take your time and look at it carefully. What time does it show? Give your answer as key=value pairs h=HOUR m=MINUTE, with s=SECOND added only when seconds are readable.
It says h=1 m=58 s=58
